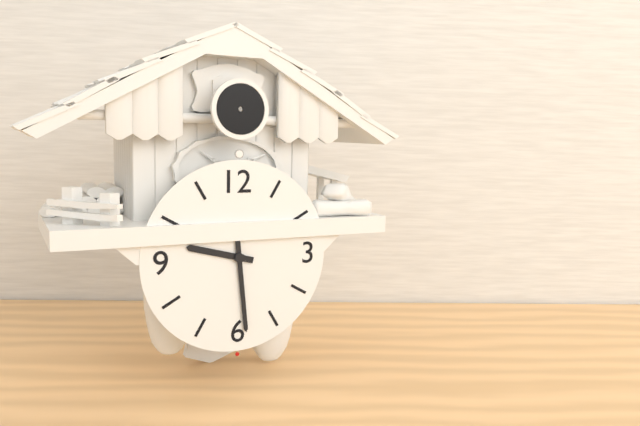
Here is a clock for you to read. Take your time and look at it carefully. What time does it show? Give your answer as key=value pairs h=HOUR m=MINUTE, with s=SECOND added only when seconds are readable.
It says h=9 m=29
